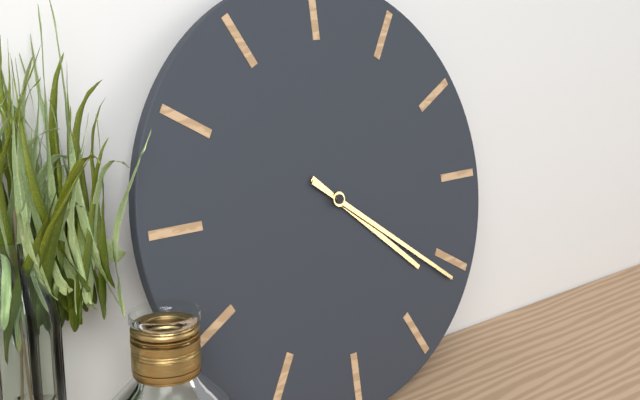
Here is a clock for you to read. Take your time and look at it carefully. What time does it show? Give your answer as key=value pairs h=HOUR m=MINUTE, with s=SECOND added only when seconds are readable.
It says h=4 m=21
